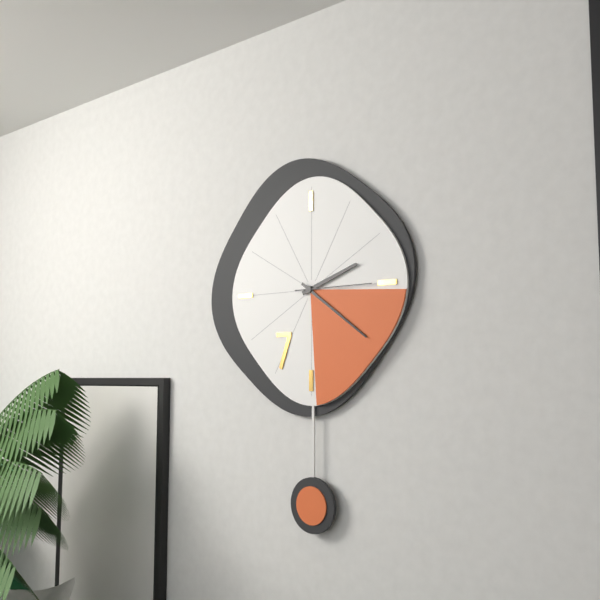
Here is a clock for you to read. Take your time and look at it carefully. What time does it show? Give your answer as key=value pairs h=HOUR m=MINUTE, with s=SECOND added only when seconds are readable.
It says h=2 m=21 s=15
